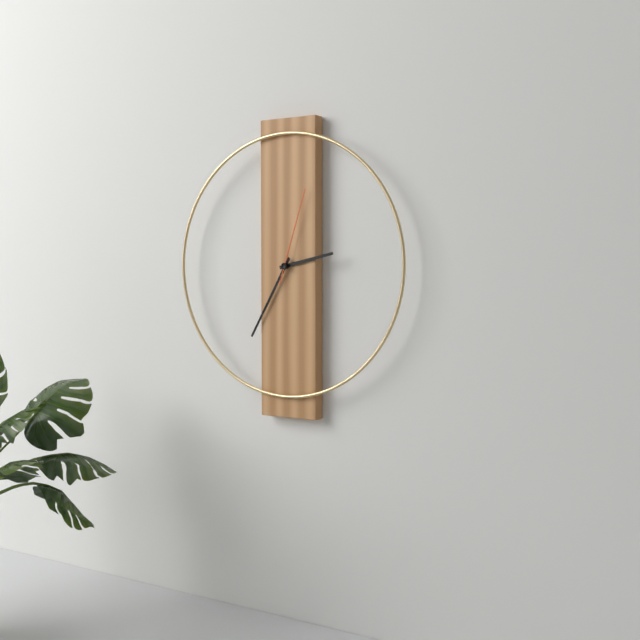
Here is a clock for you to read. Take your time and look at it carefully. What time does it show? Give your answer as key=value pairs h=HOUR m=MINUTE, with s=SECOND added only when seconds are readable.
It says h=2 m=35 s=3
